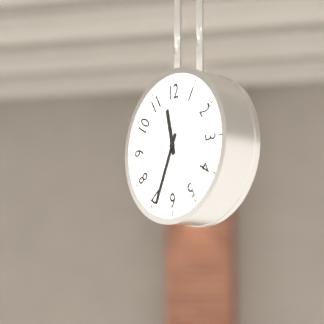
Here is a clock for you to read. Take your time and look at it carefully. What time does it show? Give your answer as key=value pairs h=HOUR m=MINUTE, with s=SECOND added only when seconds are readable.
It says h=11 m=34
